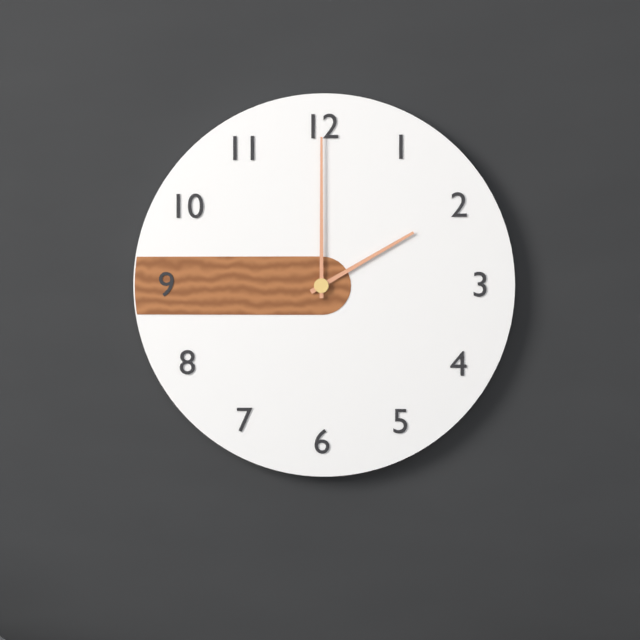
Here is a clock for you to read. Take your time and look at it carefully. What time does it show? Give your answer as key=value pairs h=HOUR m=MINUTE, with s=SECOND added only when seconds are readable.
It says h=2 m=0
